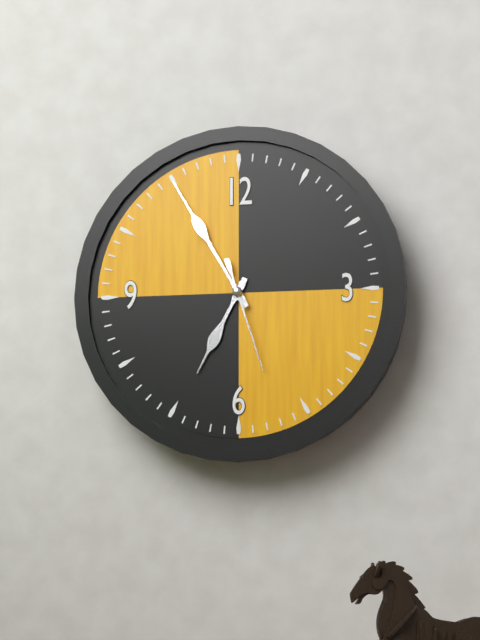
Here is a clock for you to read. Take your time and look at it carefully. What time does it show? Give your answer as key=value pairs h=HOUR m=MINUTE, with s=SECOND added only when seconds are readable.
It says h=6 m=55 s=27
